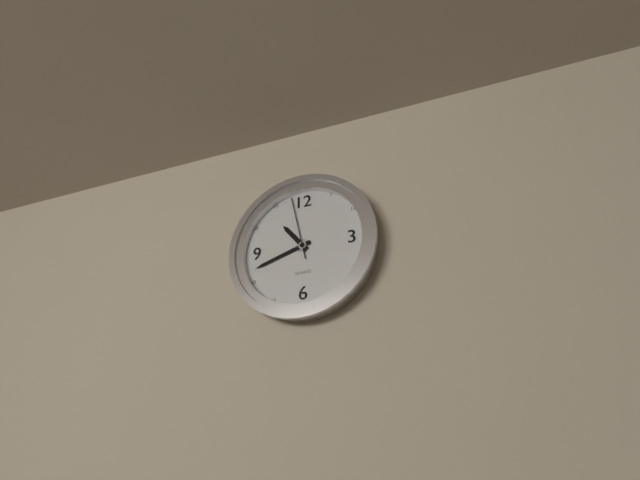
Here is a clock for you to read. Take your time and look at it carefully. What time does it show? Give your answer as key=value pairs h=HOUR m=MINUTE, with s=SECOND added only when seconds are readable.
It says h=10 m=42 s=58
